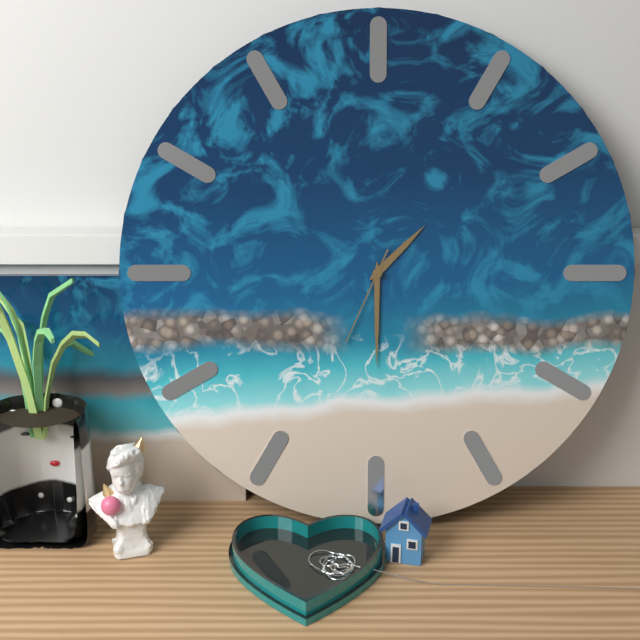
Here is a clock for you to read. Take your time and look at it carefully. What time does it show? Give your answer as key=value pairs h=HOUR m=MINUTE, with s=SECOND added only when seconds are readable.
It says h=1 m=30 s=34
